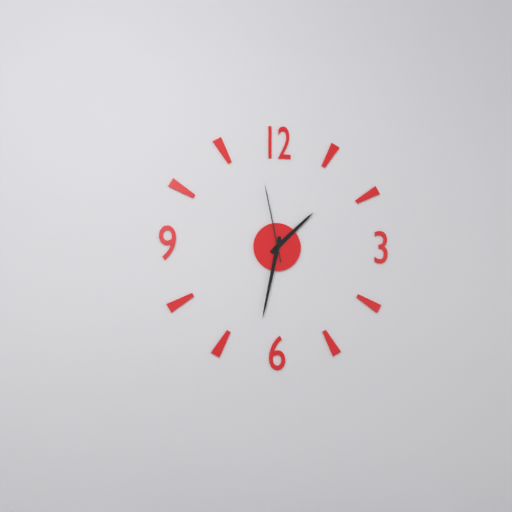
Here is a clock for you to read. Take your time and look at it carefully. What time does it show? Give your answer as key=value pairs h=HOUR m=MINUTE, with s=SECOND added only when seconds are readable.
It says h=1 m=32 s=58
